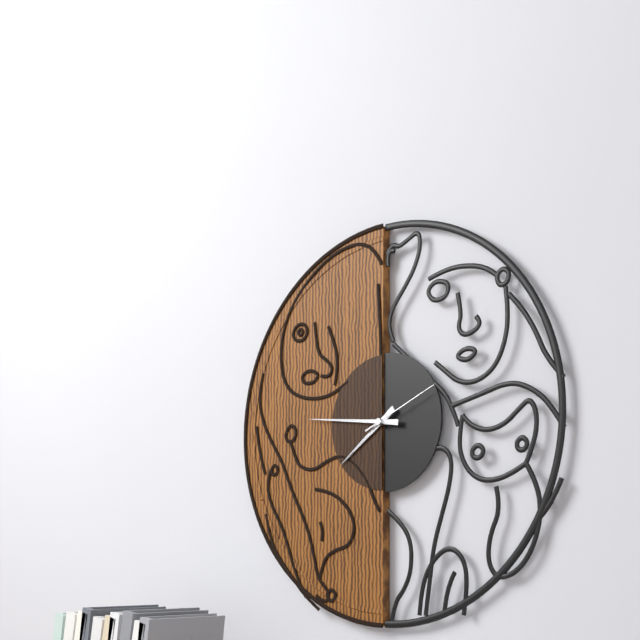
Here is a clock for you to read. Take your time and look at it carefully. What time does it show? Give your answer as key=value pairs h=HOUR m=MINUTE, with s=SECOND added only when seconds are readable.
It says h=7 m=46 s=11
